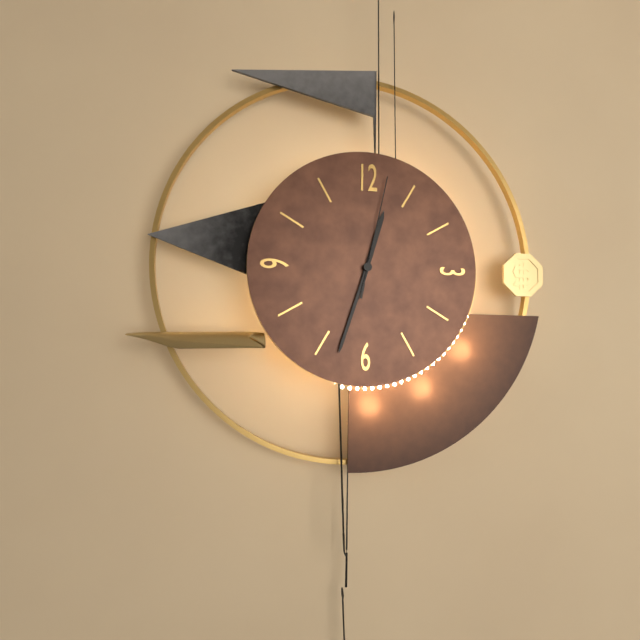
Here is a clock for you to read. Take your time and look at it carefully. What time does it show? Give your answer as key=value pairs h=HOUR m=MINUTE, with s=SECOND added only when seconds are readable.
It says h=12 m=33 s=2
